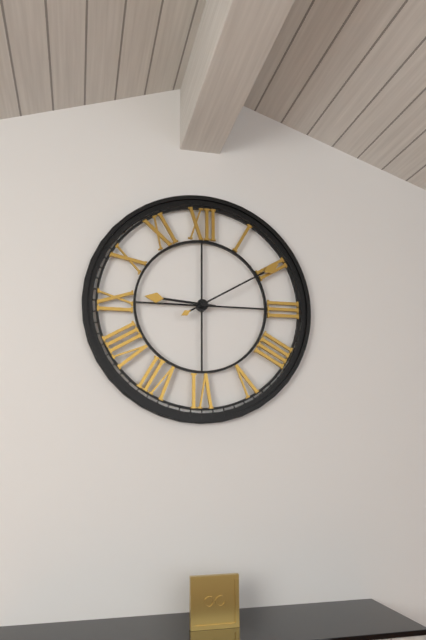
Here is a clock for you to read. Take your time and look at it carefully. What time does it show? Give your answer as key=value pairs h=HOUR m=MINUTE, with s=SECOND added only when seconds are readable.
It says h=9 m=10
